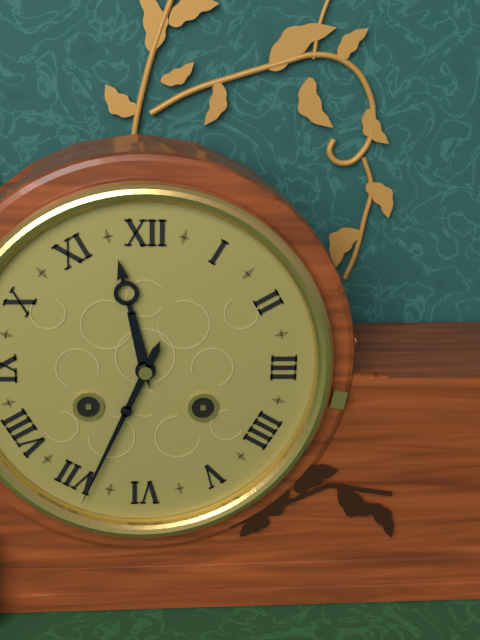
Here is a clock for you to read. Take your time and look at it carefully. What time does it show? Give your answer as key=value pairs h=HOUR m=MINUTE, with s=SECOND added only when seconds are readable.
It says h=11 m=34
